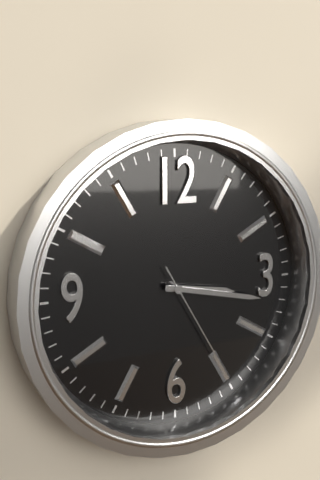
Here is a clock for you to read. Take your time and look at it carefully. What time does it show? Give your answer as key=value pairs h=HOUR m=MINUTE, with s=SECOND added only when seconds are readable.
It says h=3 m=17 s=25
